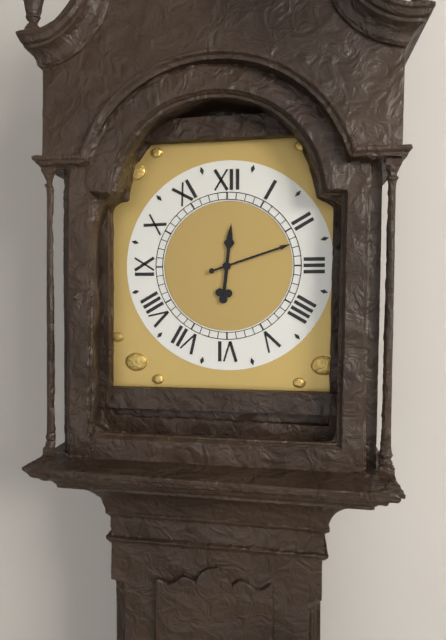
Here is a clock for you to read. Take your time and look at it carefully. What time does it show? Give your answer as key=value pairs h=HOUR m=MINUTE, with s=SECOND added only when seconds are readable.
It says h=12 m=12
